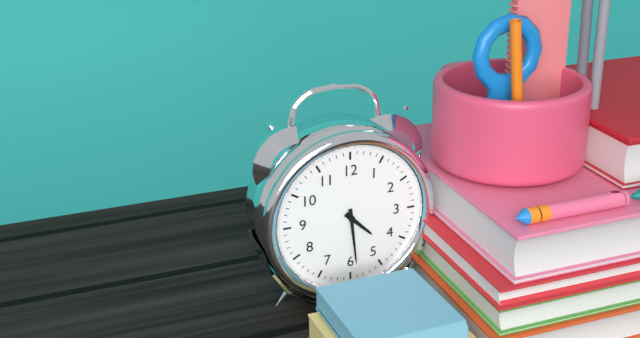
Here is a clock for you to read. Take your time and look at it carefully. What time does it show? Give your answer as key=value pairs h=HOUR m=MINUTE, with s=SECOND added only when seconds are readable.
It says h=4 m=29
